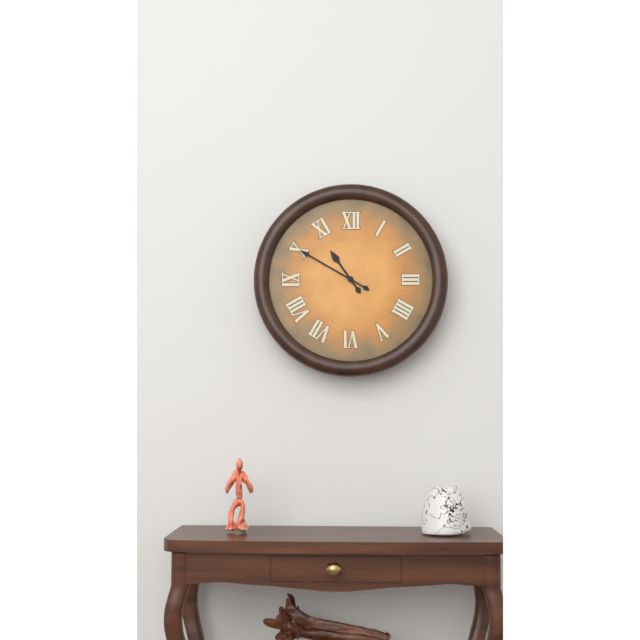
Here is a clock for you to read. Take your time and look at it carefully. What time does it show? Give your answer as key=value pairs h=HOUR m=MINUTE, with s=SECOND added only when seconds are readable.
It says h=10 m=50
